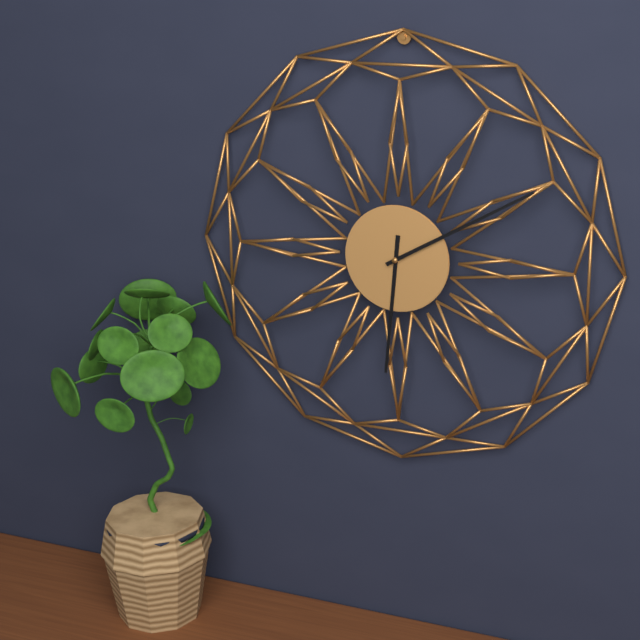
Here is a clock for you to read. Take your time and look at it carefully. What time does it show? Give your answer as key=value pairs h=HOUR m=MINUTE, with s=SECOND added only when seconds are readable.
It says h=6 m=10
